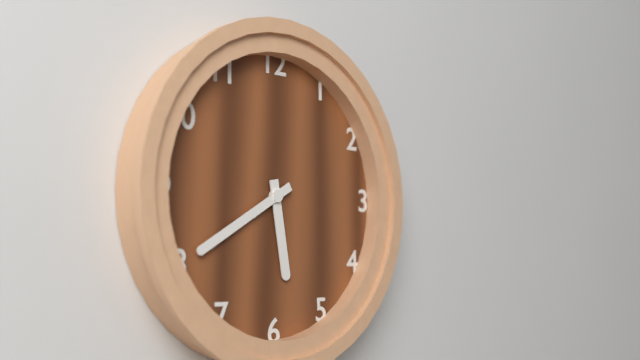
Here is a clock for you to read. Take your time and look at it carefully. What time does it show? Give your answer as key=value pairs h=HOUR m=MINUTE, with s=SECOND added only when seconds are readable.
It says h=5 m=40
